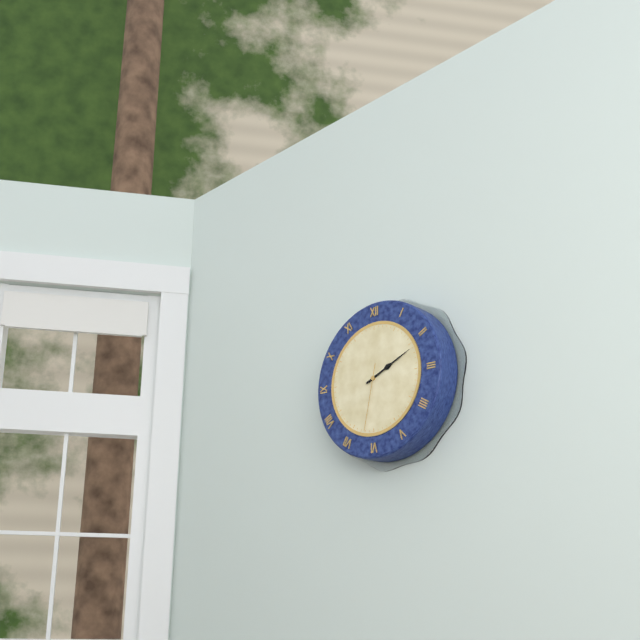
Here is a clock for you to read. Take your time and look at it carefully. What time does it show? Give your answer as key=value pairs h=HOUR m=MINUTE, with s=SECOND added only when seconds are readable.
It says h=2 m=11 s=32
